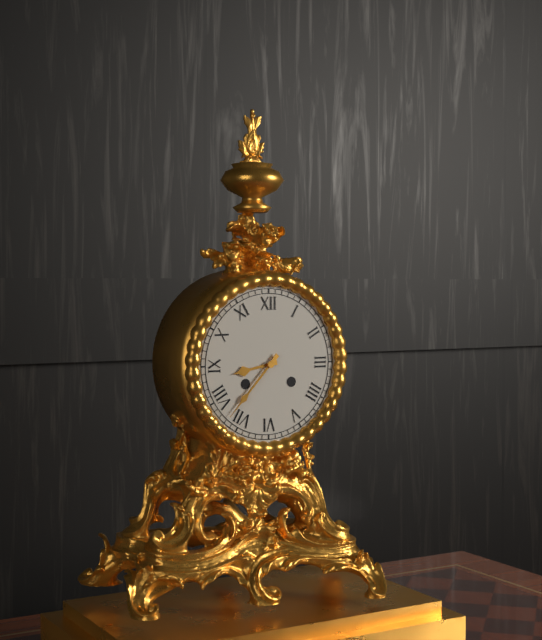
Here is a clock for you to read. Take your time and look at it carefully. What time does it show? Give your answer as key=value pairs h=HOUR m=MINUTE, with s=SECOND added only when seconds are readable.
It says h=8 m=37
